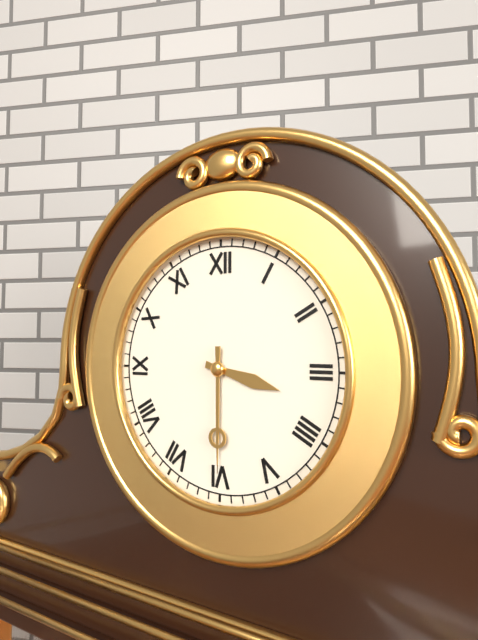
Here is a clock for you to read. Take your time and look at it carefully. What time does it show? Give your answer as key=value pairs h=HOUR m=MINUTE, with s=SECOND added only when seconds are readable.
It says h=3 m=30
